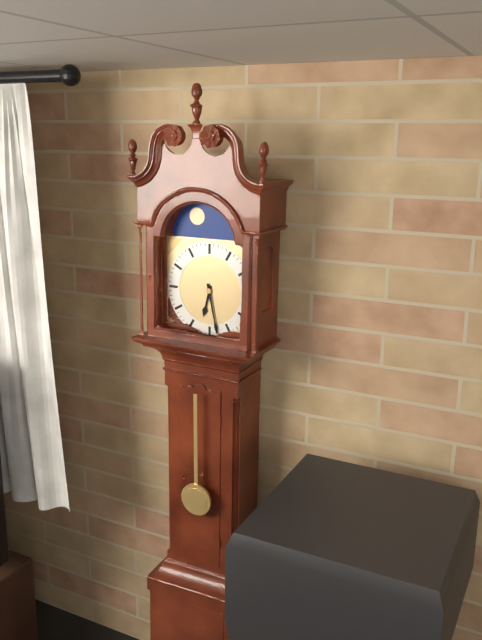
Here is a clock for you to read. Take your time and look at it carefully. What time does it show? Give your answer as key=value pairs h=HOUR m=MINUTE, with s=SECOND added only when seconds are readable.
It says h=6 m=28
